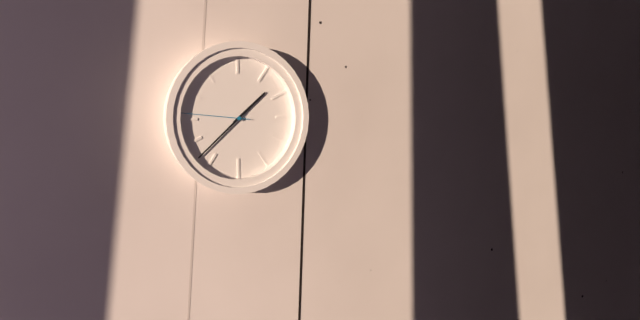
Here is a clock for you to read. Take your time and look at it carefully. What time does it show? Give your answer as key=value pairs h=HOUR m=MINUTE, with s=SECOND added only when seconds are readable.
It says h=1 m=38 s=46
